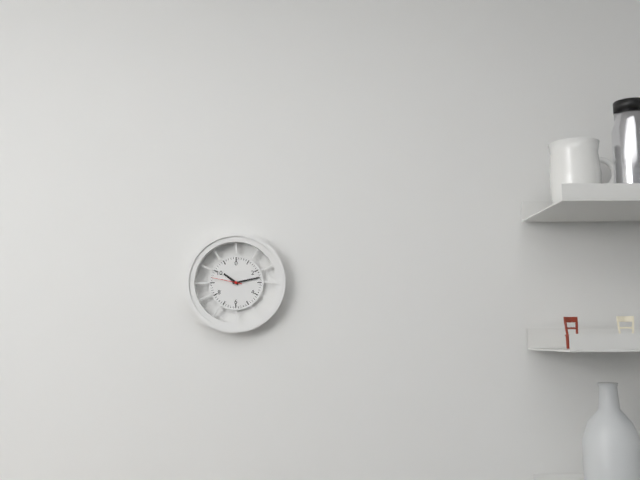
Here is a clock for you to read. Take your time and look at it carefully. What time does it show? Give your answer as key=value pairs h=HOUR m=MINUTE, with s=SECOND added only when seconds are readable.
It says h=10 m=13
